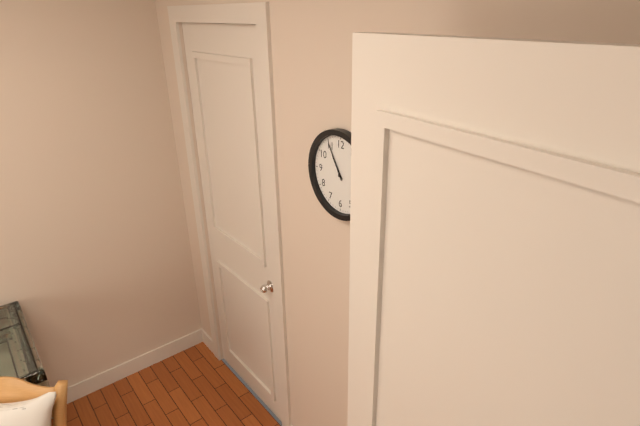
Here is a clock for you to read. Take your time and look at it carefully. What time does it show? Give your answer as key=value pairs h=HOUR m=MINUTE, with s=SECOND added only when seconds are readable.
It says h=10 m=55
